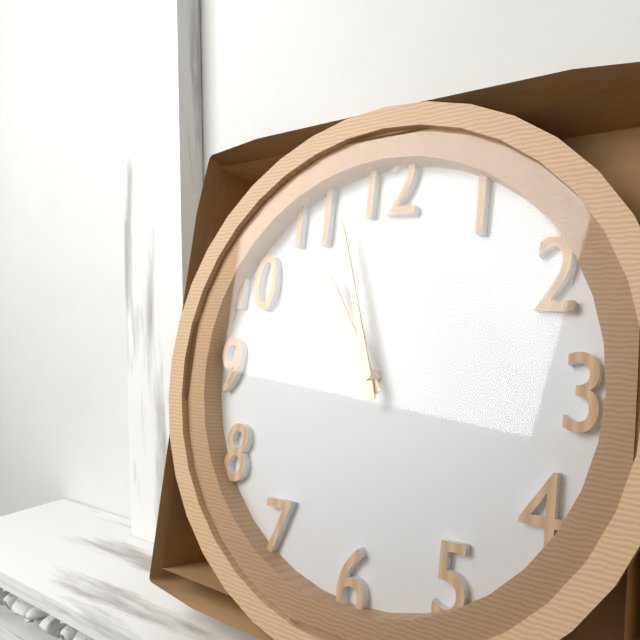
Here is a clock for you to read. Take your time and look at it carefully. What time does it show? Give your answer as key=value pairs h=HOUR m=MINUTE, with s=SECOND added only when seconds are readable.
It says h=10 m=57
